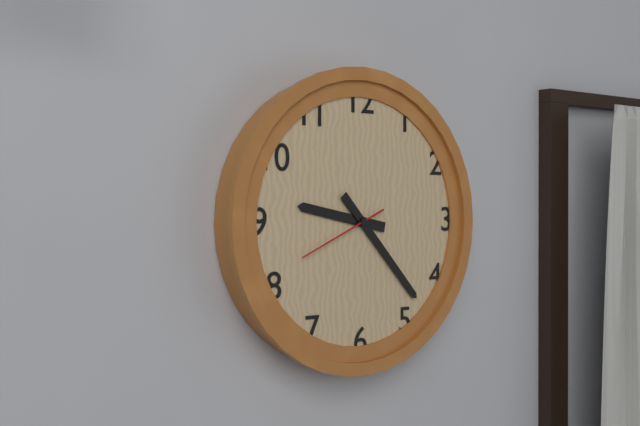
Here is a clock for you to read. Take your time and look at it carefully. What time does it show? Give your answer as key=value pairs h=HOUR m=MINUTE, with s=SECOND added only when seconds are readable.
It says h=9 m=23 s=41
